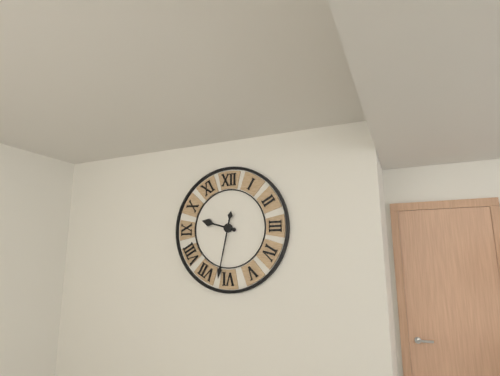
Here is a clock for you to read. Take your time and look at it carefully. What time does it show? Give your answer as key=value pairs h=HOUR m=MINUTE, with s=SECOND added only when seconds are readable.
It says h=9 m=32
